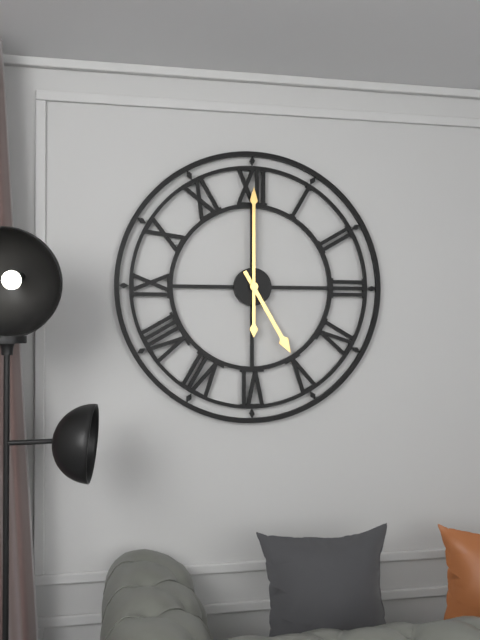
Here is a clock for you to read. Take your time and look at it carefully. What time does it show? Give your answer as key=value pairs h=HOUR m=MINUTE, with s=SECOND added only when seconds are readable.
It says h=5 m=0
